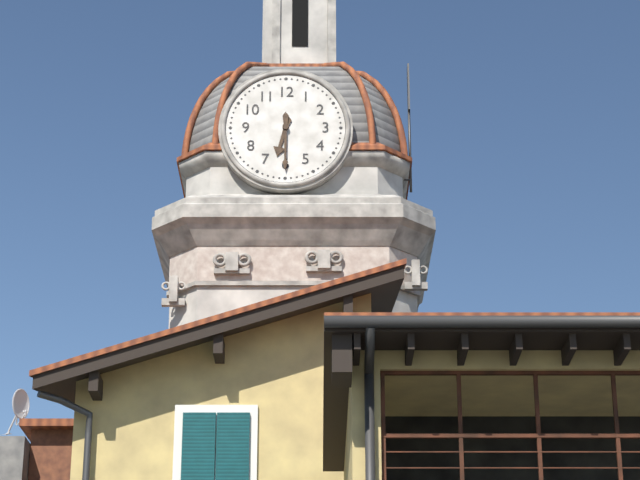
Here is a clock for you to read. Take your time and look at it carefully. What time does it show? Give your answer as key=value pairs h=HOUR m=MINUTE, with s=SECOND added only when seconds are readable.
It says h=6 m=30
